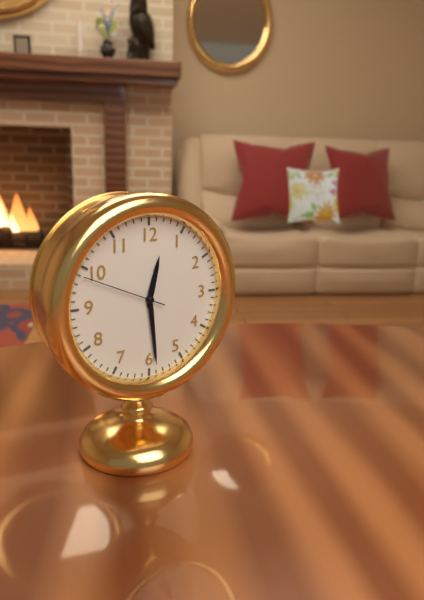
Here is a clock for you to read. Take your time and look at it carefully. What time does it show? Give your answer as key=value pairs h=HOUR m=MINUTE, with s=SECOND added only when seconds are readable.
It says h=12 m=29 s=49
